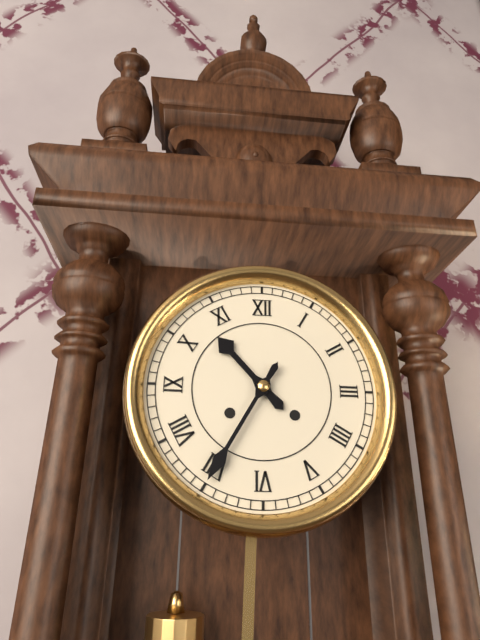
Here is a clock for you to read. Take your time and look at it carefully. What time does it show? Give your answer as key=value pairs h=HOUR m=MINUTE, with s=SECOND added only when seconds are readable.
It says h=10 m=35
